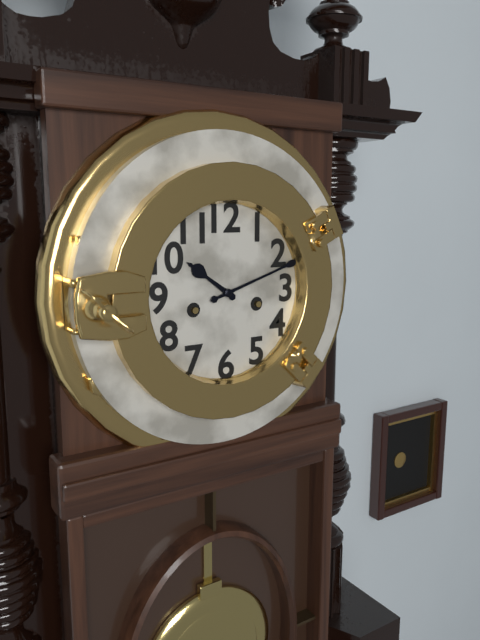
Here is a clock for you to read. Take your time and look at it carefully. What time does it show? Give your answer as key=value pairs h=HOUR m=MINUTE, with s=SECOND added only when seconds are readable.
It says h=10 m=12
